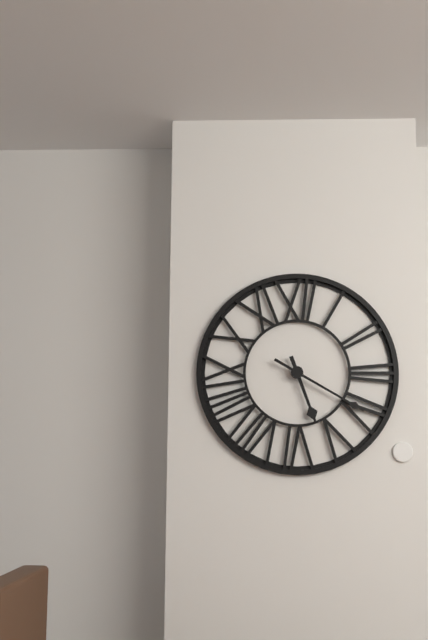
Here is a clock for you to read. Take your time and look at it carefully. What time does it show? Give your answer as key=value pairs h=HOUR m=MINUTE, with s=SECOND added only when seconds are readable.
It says h=5 m=20
